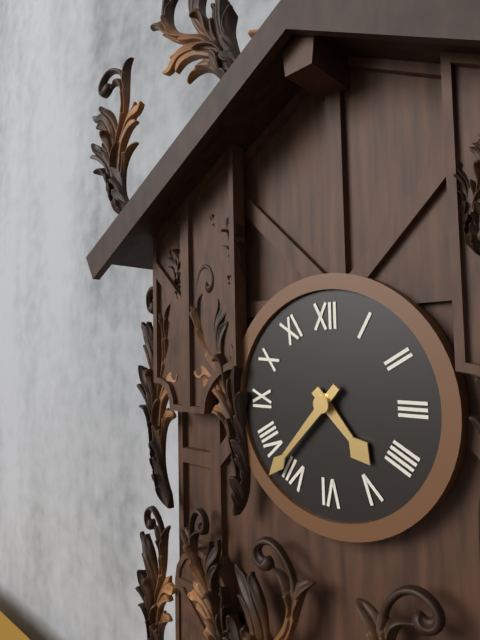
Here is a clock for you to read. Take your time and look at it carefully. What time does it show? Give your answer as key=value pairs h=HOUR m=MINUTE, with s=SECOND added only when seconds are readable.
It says h=4 m=37
